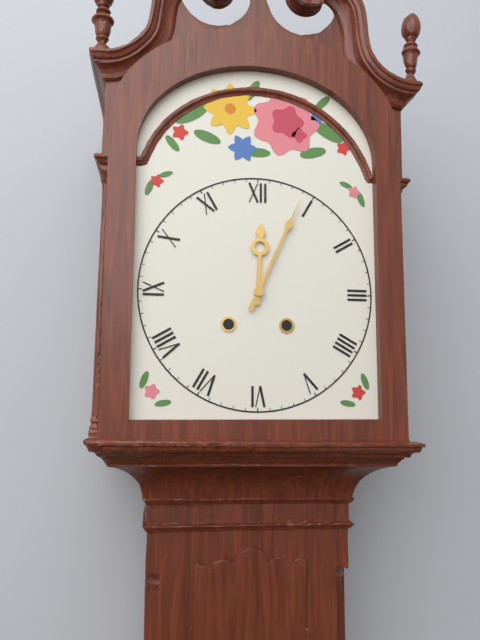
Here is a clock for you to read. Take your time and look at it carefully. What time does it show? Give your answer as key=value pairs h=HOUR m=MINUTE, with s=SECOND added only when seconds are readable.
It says h=12 m=4
